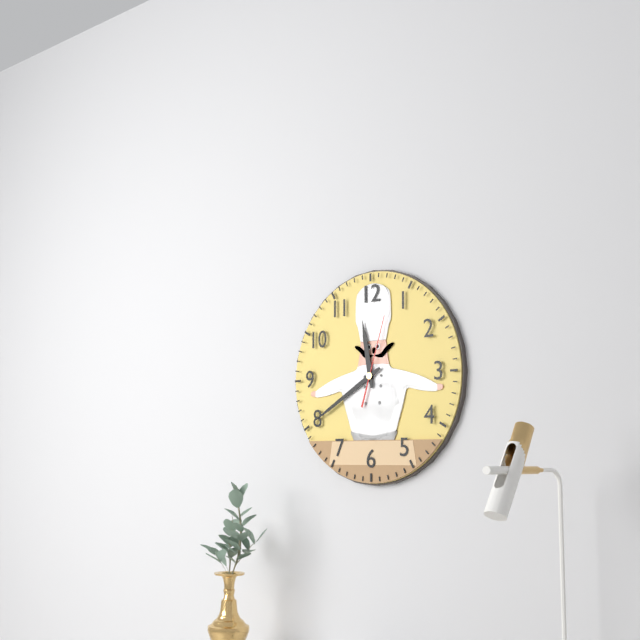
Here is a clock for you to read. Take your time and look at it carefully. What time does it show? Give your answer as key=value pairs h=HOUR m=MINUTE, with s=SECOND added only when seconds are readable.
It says h=11 m=40 s=3
